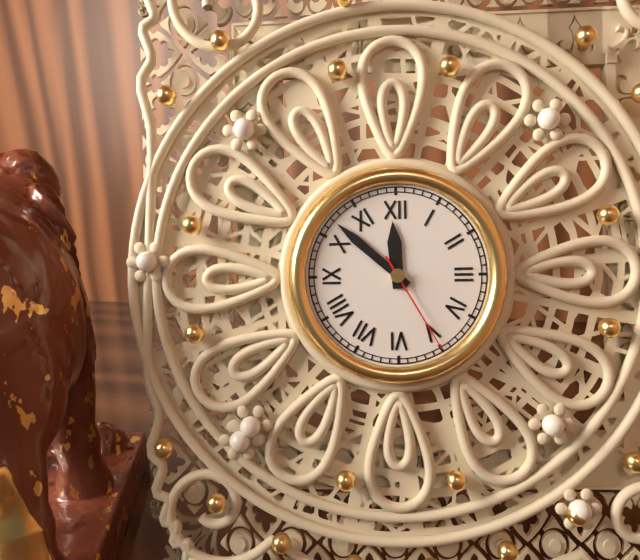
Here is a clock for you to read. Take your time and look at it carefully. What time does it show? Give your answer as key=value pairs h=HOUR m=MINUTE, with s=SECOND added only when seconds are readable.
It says h=11 m=52 s=25
